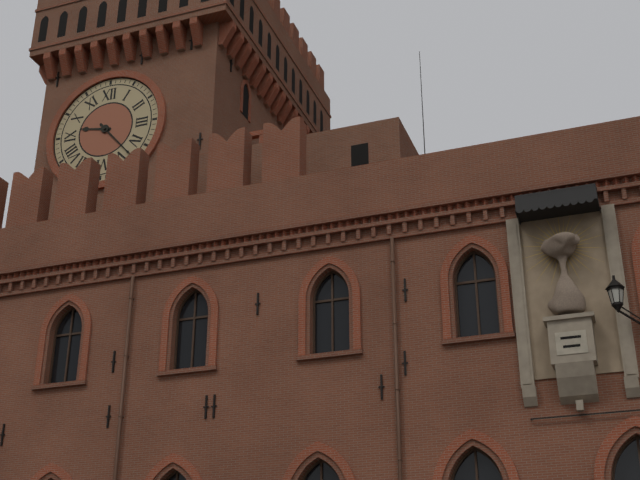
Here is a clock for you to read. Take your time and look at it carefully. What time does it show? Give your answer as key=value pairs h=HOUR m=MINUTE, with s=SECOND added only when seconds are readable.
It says h=9 m=23
